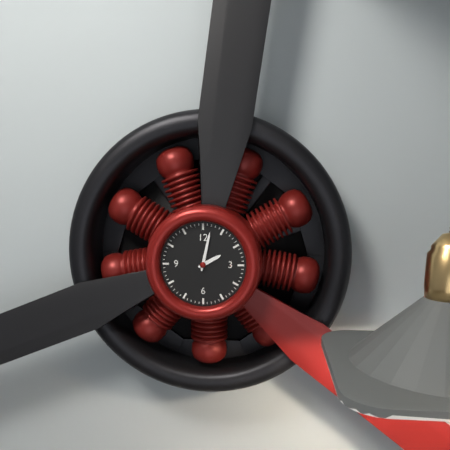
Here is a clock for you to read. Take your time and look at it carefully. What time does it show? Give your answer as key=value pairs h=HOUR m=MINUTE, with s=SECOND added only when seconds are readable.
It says h=2 m=2
